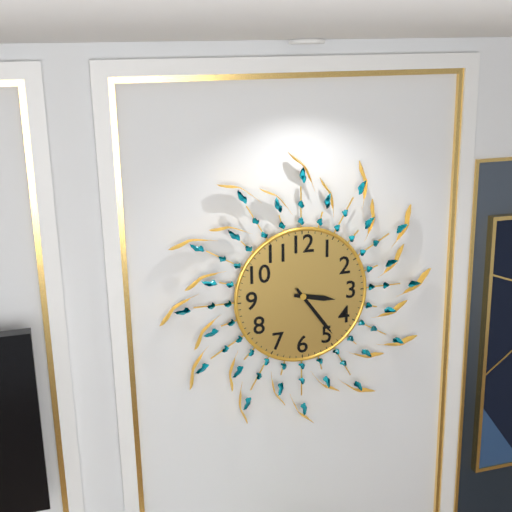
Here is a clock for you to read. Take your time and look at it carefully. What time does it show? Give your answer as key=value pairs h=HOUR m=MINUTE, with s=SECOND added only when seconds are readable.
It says h=3 m=24
